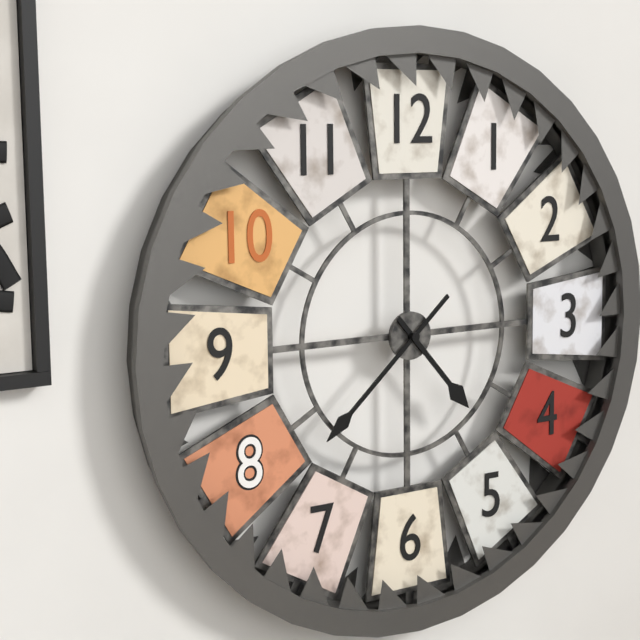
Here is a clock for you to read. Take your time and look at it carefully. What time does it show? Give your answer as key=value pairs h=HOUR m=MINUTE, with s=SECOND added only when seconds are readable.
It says h=4 m=38
